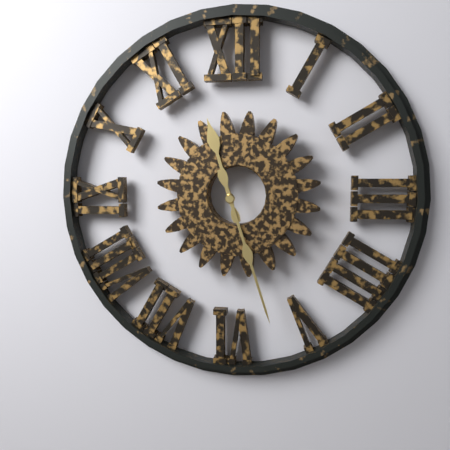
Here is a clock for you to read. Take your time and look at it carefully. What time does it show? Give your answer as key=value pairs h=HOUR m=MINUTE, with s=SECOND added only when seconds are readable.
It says h=11 m=27
